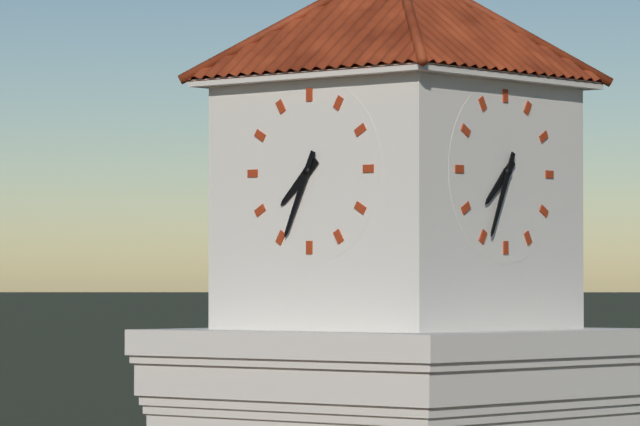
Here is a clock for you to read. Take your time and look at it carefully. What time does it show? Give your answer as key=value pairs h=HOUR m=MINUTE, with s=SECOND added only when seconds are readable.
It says h=7 m=34
